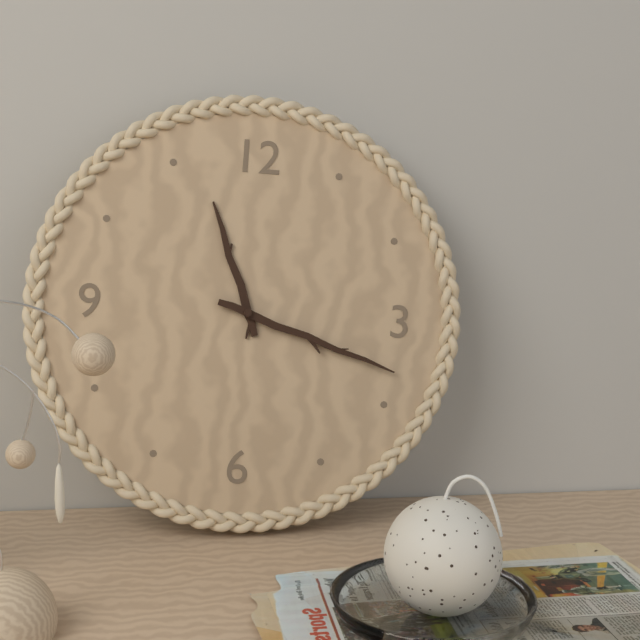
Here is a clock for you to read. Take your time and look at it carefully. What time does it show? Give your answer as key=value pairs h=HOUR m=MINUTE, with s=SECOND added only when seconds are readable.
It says h=11 m=18
